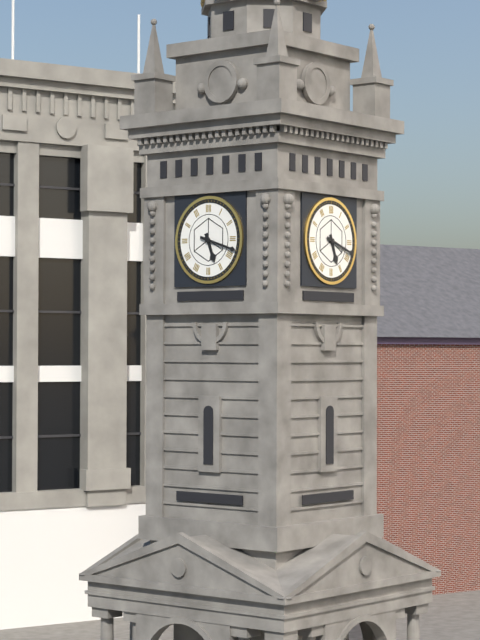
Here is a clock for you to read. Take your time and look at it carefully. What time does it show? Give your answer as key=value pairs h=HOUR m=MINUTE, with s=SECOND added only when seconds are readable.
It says h=5 m=18
